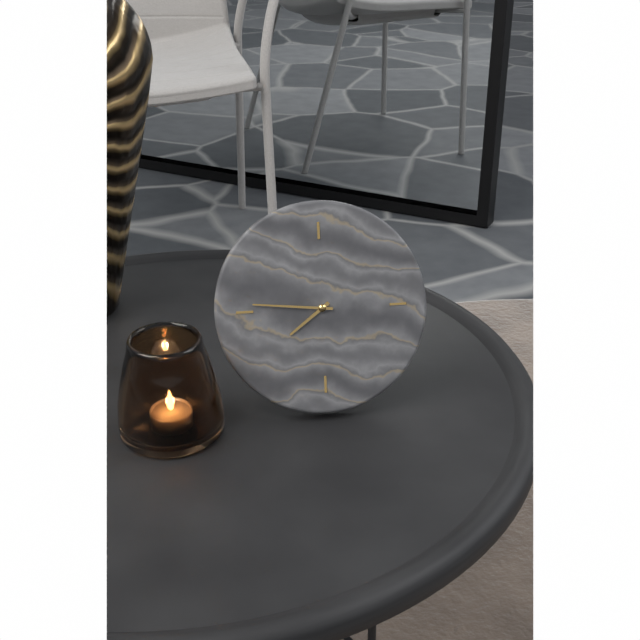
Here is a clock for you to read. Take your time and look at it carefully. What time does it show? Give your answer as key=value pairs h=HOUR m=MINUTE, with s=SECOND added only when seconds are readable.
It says h=7 m=46
